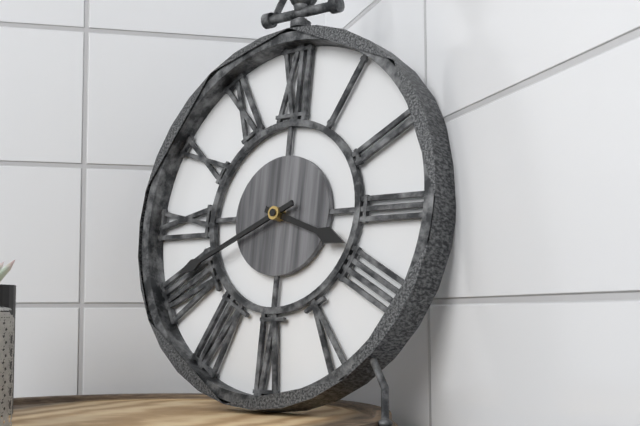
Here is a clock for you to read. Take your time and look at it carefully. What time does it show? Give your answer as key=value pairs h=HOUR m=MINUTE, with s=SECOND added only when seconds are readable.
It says h=3 m=41
